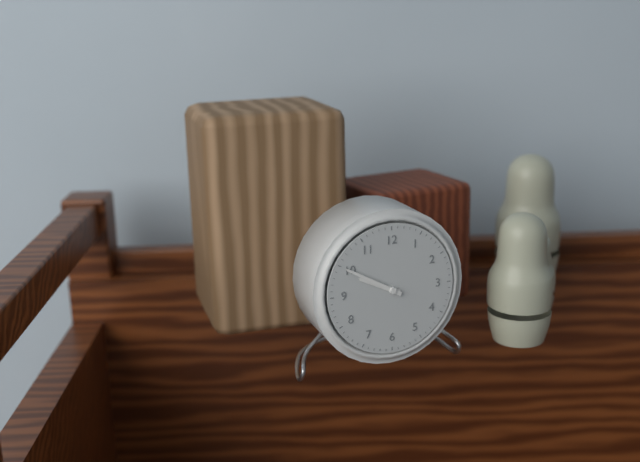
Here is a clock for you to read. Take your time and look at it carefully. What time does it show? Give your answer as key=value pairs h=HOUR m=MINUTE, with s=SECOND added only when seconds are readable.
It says h=9 m=50
